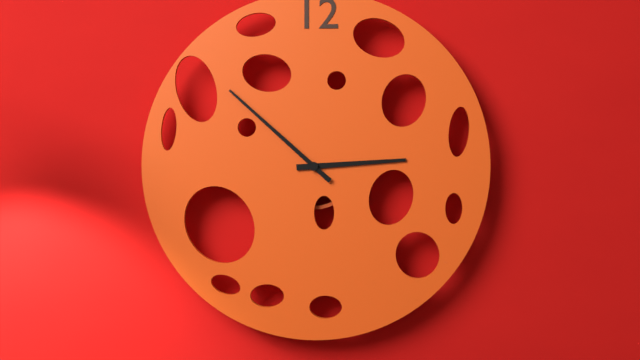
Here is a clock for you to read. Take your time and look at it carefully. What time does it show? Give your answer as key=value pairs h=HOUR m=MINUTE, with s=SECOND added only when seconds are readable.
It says h=2 m=52
